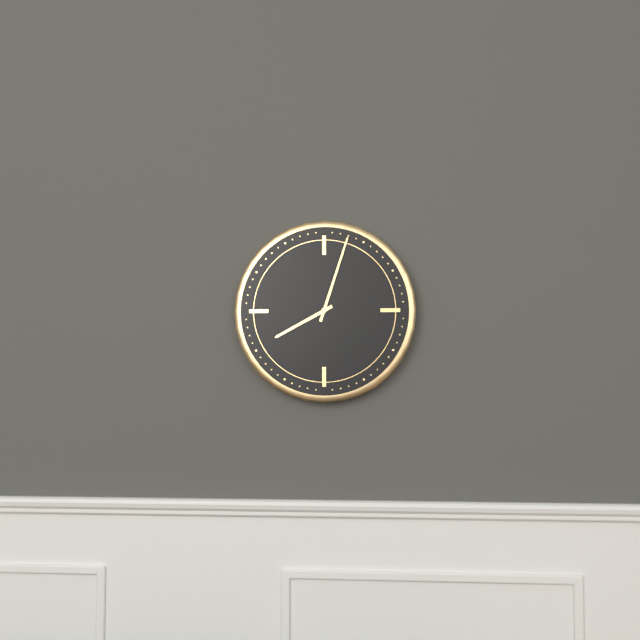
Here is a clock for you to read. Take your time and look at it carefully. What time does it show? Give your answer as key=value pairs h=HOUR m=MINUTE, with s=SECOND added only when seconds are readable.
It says h=8 m=3
